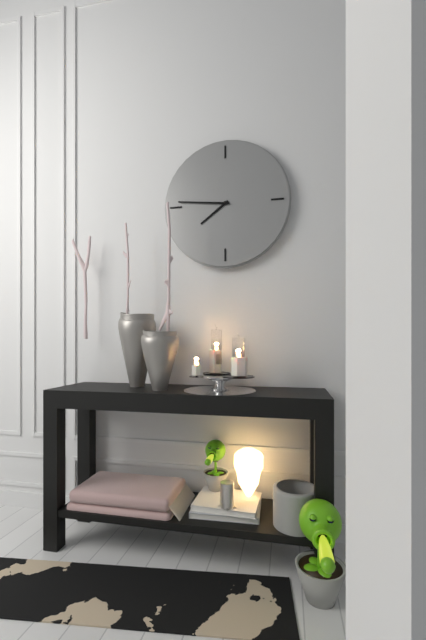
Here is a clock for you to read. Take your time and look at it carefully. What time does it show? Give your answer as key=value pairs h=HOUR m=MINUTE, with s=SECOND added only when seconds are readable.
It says h=7 m=46
